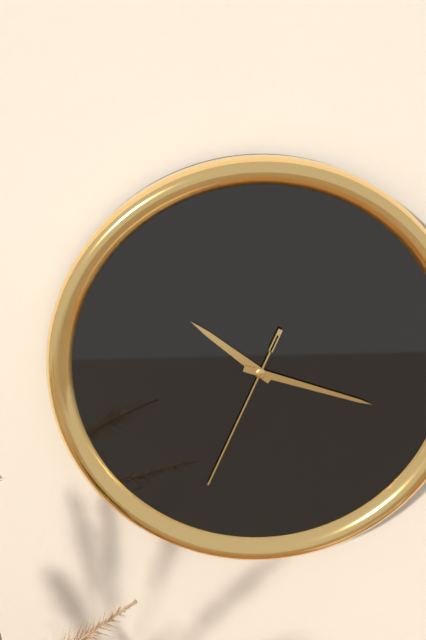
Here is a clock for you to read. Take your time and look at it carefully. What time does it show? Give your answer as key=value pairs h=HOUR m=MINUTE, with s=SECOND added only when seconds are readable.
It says h=10 m=18 s=34
